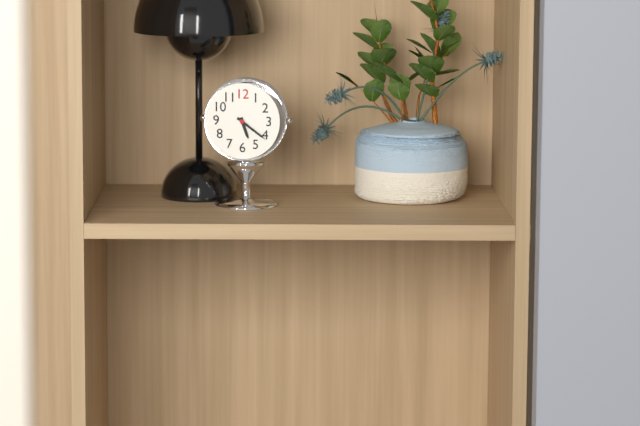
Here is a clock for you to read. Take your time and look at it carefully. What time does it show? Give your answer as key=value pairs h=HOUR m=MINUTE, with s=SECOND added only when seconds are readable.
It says h=5 m=21
